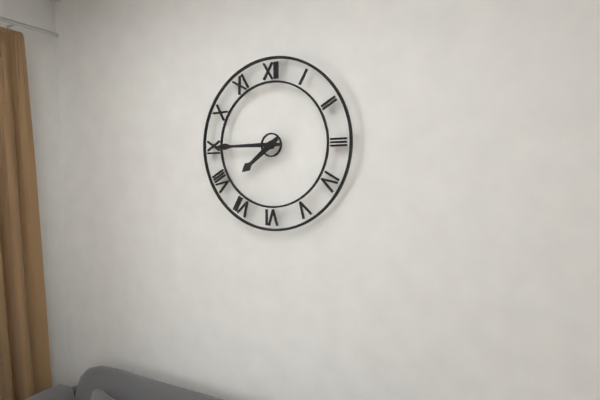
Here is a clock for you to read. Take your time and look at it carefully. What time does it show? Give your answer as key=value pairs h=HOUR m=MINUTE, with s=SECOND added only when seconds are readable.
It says h=7 m=45
